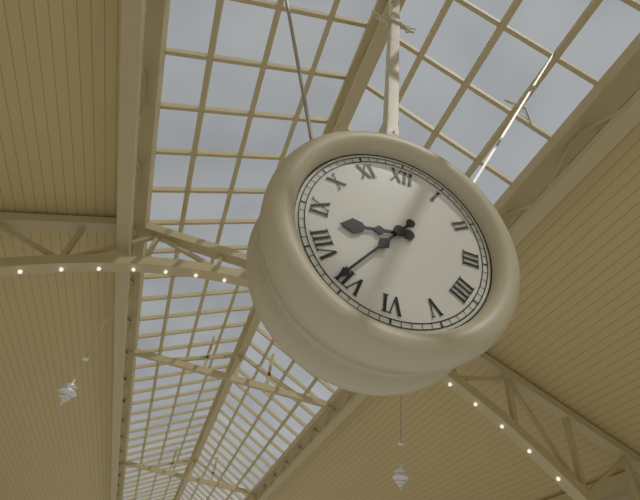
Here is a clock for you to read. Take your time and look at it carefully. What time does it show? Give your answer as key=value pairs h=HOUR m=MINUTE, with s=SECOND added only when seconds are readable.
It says h=8 m=36
